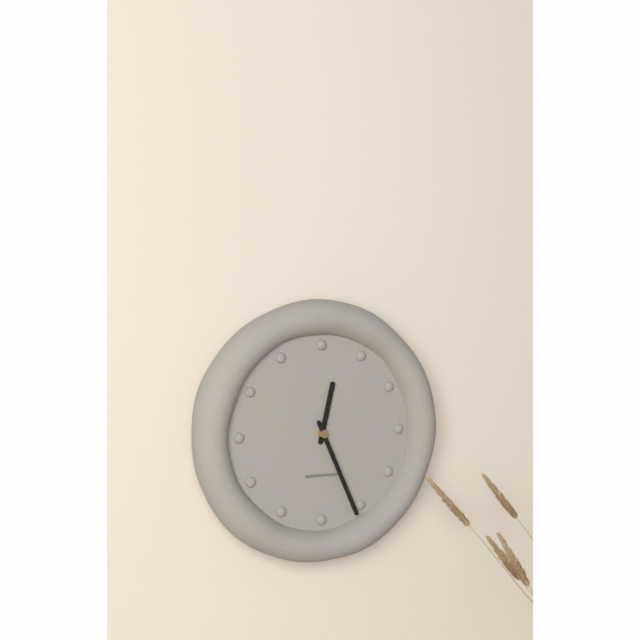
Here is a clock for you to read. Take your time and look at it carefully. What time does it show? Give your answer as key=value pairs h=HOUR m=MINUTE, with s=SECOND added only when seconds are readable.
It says h=12 m=26
